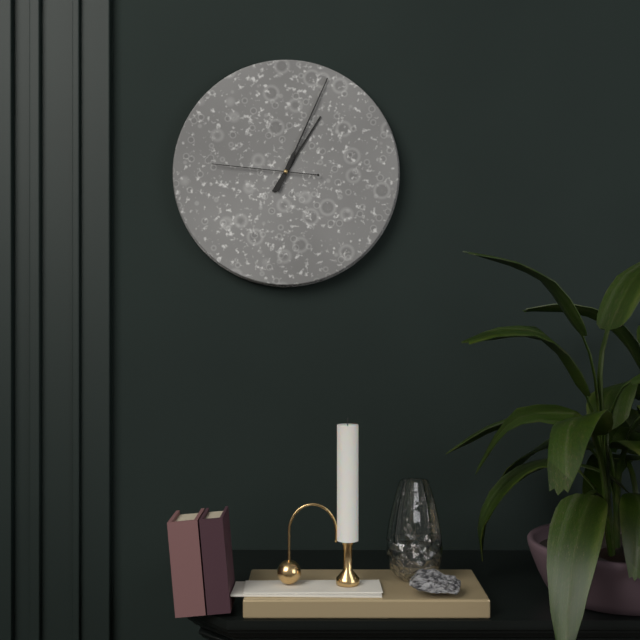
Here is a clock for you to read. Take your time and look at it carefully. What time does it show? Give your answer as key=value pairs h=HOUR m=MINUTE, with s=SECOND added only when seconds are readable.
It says h=1 m=4 s=46
